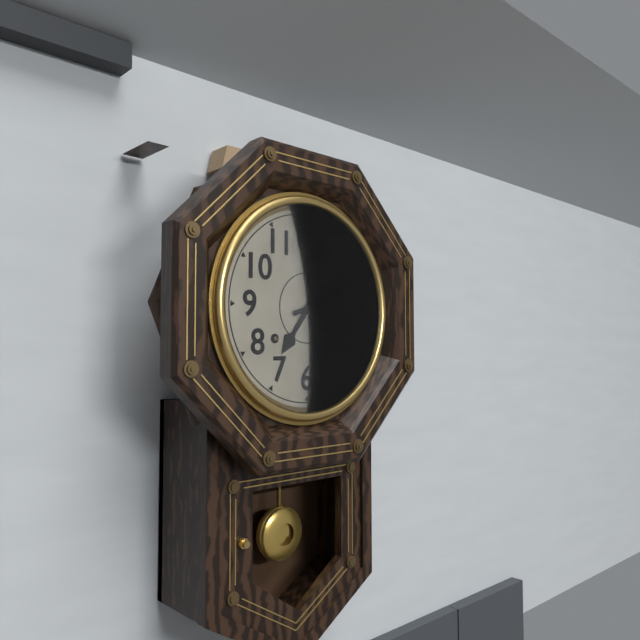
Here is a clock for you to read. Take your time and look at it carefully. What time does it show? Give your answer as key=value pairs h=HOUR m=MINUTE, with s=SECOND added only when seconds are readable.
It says h=7 m=12
